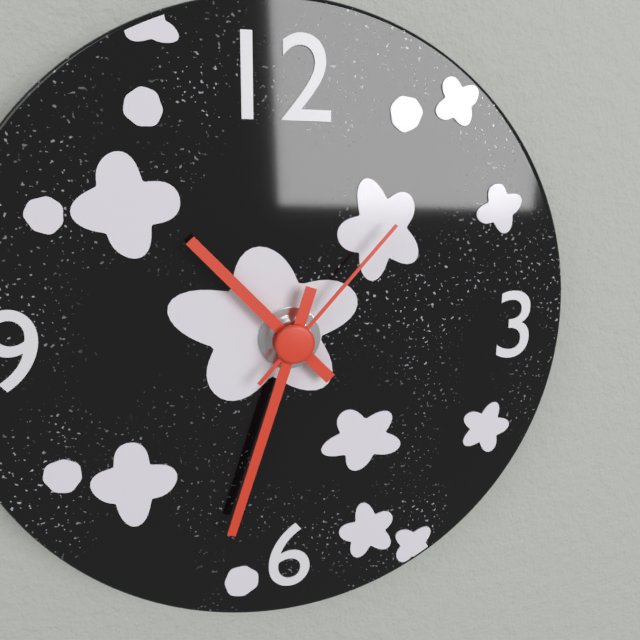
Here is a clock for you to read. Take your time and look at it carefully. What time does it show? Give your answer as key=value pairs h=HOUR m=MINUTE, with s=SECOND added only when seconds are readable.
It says h=10 m=33 s=7
